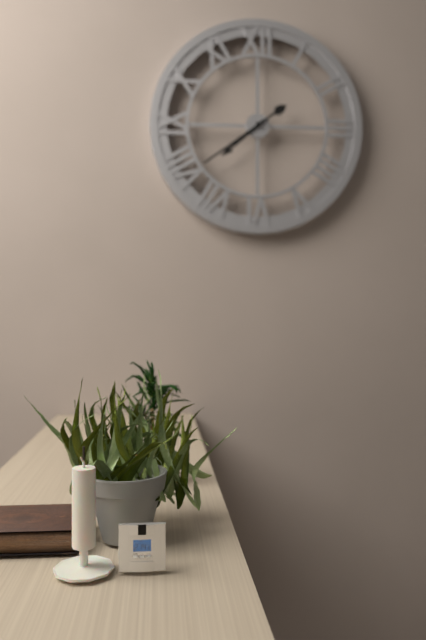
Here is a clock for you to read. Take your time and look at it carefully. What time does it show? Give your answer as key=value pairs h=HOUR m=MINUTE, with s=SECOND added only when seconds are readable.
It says h=7 m=39
